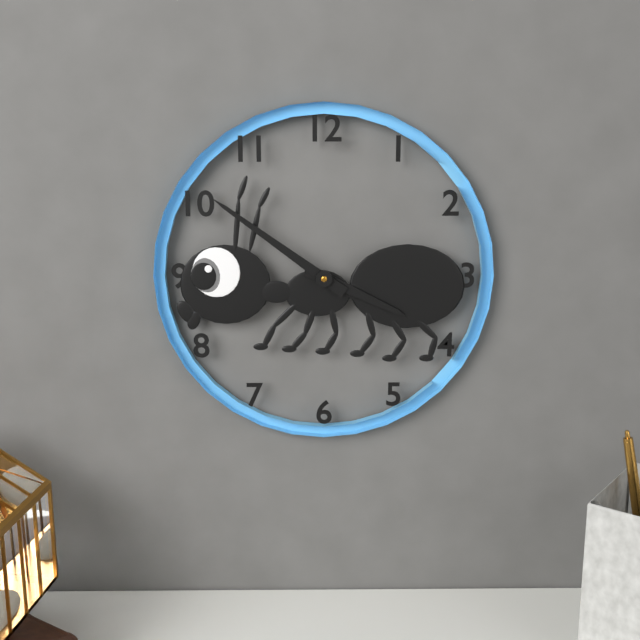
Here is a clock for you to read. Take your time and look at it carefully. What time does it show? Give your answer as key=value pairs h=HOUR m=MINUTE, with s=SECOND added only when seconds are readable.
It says h=3 m=51
